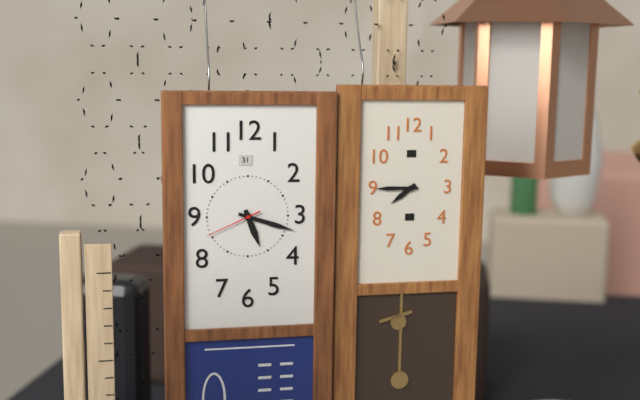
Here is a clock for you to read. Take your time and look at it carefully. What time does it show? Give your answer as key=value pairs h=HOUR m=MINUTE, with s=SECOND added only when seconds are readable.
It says h=5 m=18 s=41
